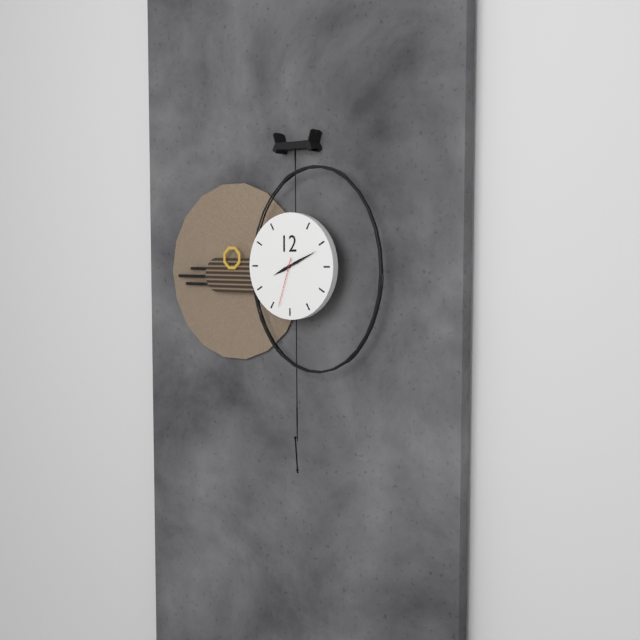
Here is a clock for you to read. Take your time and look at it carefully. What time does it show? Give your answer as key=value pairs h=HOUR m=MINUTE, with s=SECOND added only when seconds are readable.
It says h=8 m=11 s=33
